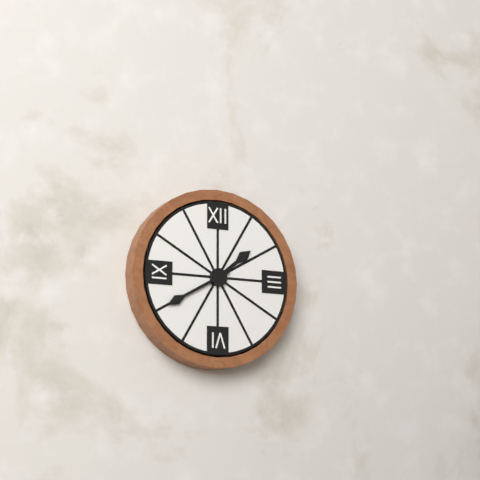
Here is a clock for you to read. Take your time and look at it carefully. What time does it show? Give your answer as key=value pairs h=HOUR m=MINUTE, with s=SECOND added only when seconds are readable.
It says h=1 m=40
